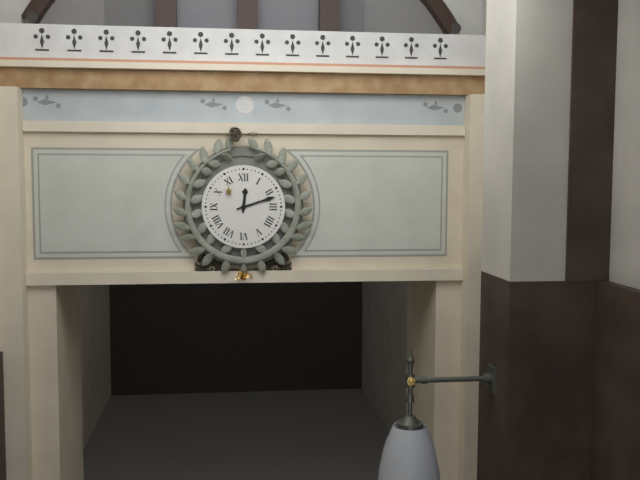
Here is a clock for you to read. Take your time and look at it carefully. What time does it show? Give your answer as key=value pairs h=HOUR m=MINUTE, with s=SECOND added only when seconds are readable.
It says h=12 m=12
